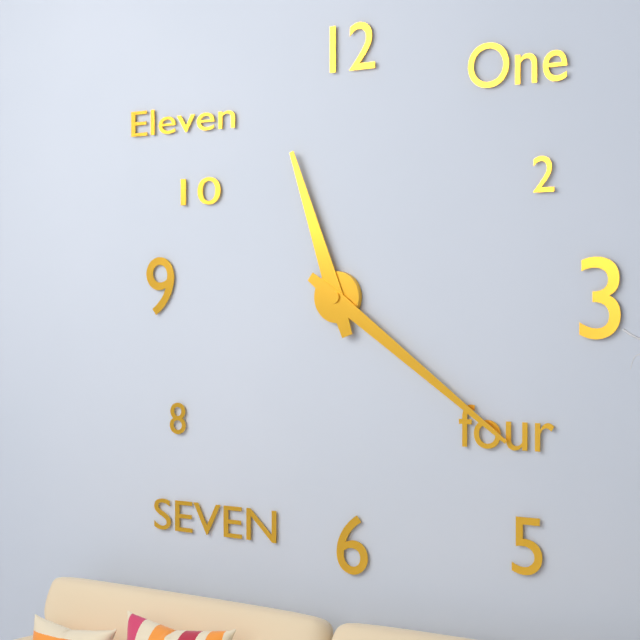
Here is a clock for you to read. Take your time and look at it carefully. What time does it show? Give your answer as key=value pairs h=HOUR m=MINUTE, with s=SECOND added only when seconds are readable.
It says h=11 m=21
